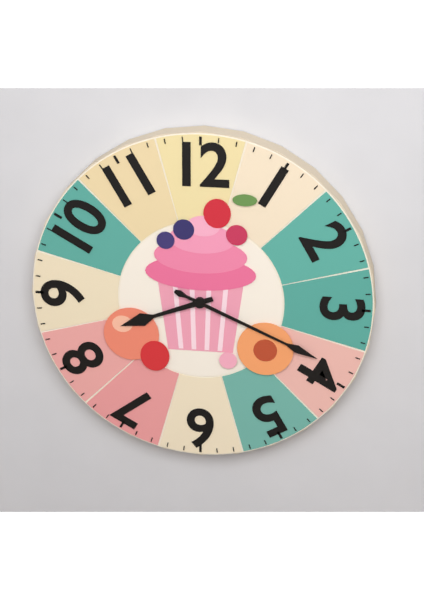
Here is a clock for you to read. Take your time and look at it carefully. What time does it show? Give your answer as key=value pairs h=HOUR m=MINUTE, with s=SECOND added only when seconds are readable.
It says h=8 m=19
